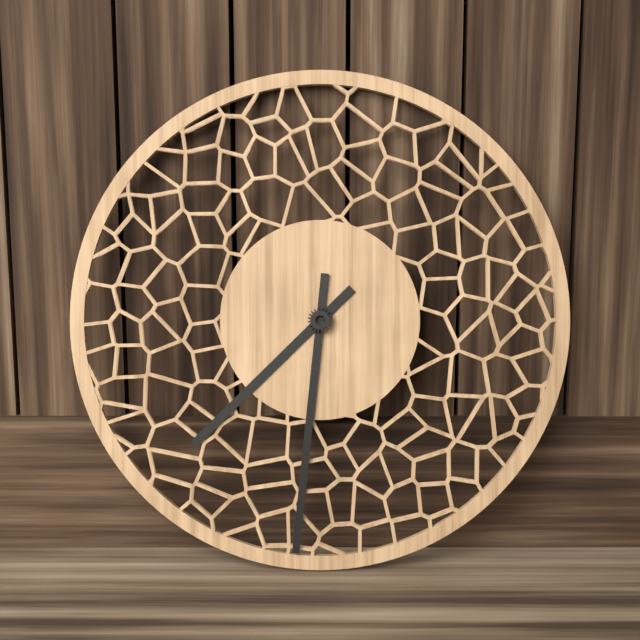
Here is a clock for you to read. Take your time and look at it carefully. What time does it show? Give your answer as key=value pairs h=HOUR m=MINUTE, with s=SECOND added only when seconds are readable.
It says h=7 m=31
